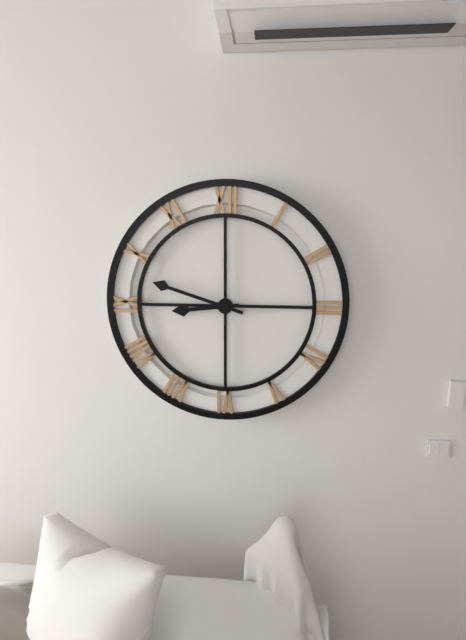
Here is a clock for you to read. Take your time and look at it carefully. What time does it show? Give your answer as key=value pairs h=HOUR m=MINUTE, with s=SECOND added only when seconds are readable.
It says h=8 m=48
